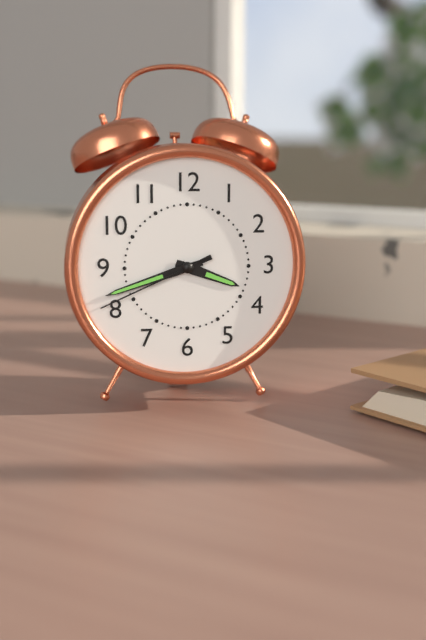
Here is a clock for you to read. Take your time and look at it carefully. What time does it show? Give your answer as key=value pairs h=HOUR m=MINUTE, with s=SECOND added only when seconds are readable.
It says h=3 m=42 s=41
